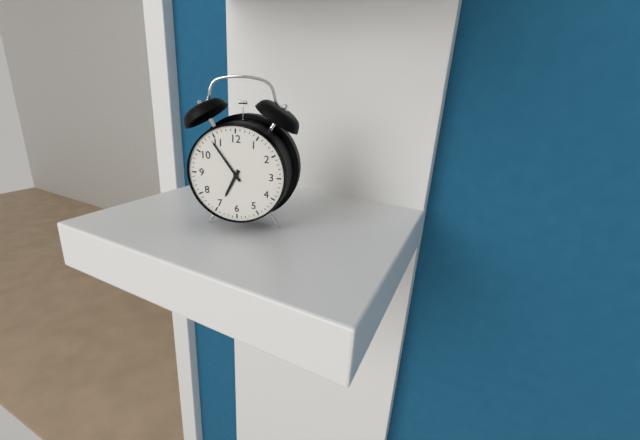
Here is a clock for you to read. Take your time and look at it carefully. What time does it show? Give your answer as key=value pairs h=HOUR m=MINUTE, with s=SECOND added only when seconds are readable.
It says h=6 m=54
